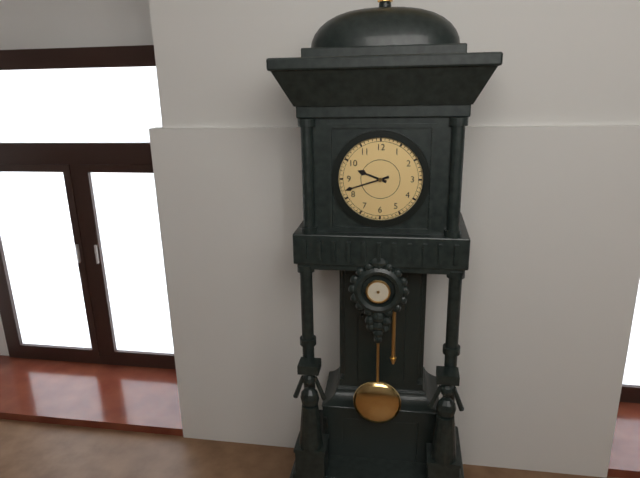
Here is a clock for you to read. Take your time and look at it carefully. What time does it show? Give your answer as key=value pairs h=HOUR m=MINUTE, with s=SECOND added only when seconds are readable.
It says h=9 m=42
